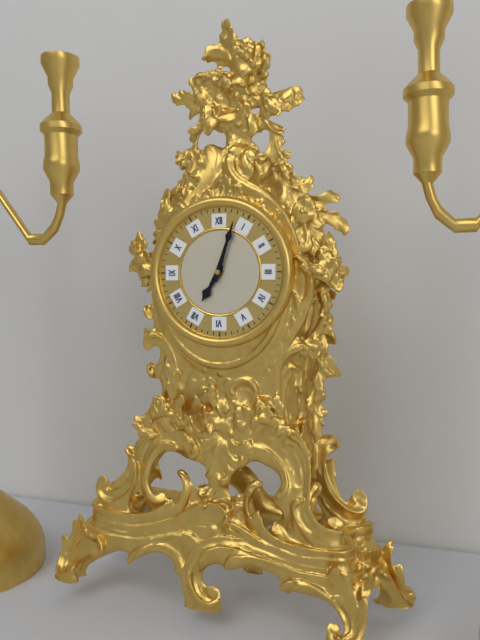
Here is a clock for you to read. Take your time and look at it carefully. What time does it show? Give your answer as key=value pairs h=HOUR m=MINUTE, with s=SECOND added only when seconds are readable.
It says h=7 m=3
